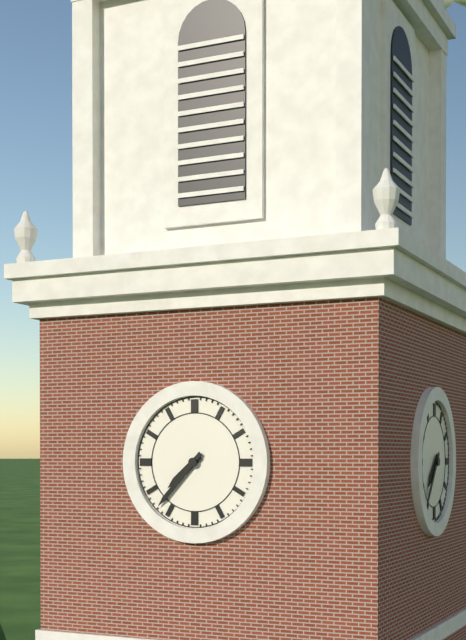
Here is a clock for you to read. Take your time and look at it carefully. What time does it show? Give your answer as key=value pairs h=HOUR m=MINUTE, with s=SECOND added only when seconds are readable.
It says h=7 m=37
